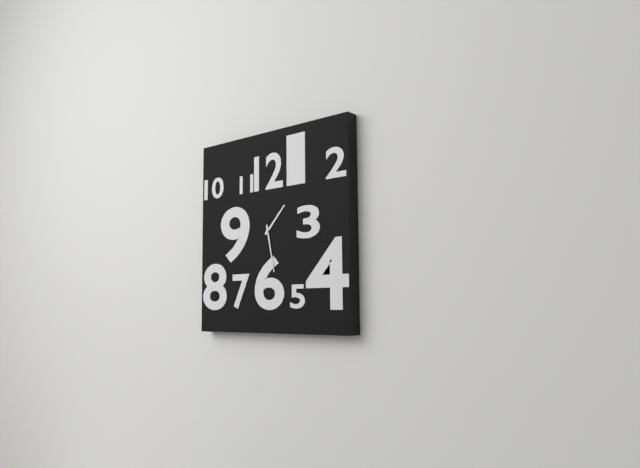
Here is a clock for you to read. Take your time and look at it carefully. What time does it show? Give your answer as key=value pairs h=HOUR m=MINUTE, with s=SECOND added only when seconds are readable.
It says h=1 m=28
